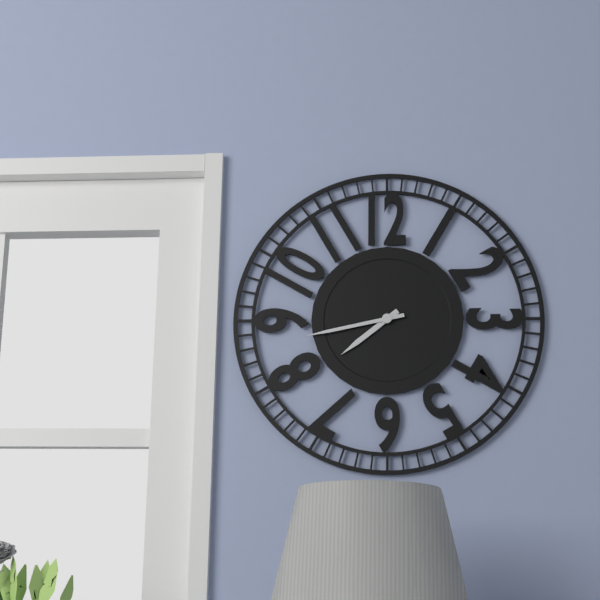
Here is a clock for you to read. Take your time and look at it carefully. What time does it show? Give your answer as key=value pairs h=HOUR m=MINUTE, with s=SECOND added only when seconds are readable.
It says h=7 m=43
